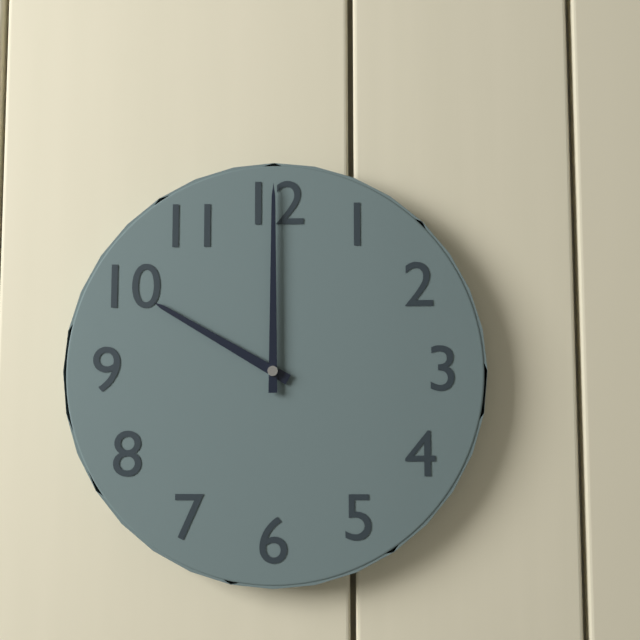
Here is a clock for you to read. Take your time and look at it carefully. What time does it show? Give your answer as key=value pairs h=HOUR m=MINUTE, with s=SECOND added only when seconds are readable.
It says h=10 m=0
